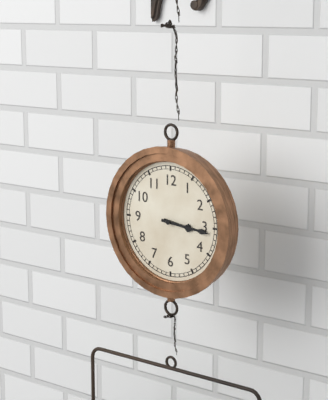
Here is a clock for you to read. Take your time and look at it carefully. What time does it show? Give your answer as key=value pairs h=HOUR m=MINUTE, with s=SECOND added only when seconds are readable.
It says h=3 m=16
